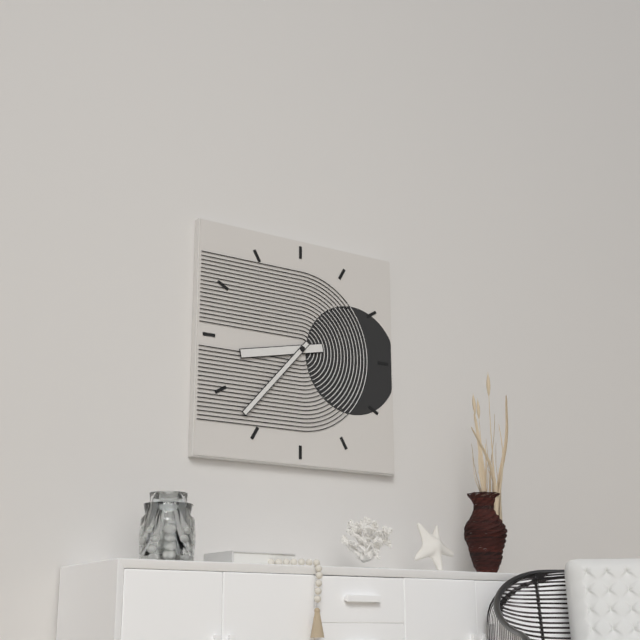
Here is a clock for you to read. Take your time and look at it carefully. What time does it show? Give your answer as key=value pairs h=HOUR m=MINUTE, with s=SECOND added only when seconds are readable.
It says h=8 m=37
